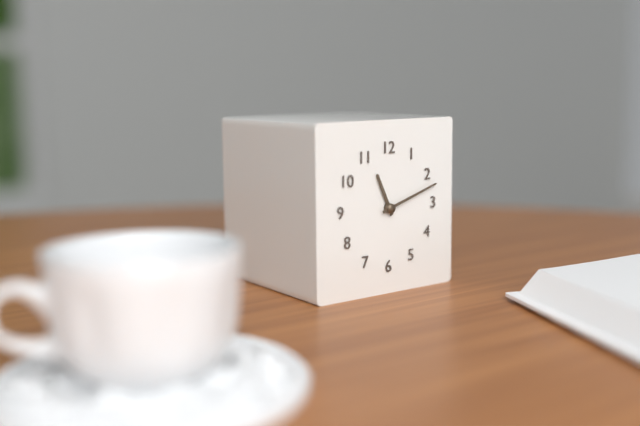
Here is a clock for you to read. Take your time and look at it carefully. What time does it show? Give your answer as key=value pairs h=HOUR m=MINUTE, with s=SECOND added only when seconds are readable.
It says h=11 m=12
